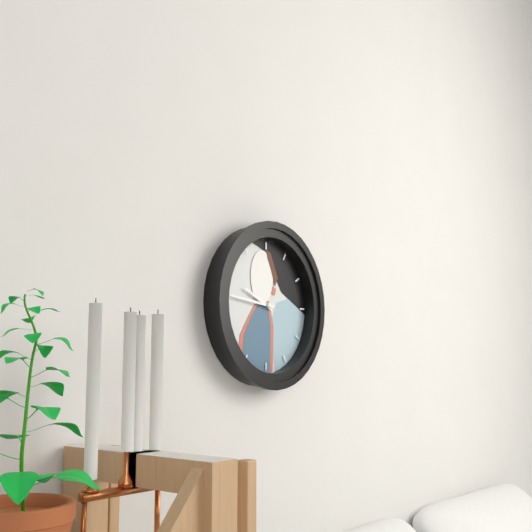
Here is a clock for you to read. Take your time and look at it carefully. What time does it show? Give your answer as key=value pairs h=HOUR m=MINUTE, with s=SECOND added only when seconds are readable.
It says h=9 m=46
